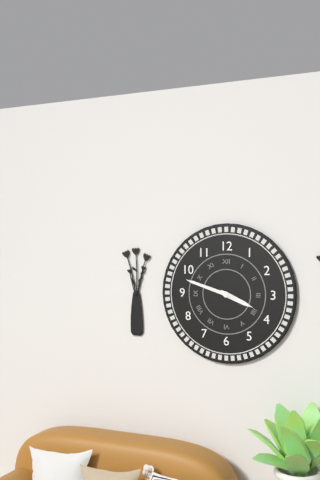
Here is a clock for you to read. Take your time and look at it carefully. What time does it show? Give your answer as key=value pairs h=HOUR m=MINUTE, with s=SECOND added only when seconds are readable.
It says h=3 m=48
